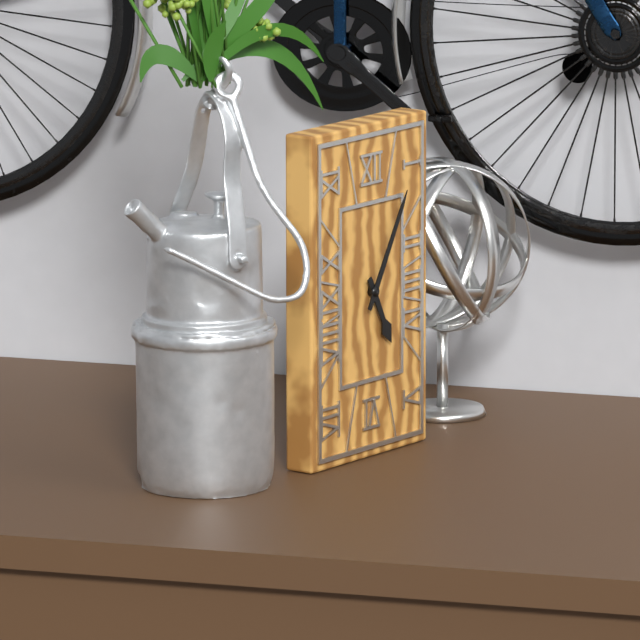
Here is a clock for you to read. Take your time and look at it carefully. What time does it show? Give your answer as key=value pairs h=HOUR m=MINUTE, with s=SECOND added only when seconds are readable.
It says h=5 m=5
